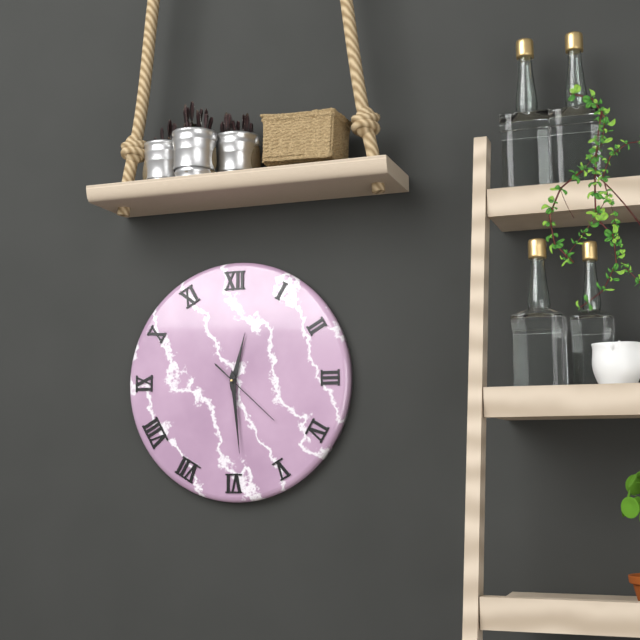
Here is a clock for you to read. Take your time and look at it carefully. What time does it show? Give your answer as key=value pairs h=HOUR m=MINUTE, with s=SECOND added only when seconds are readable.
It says h=12 m=29 s=22
